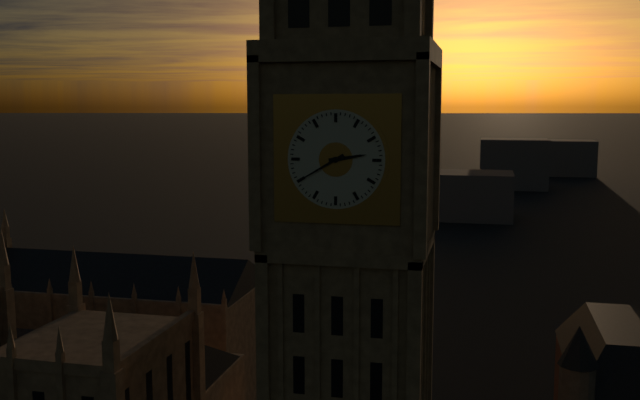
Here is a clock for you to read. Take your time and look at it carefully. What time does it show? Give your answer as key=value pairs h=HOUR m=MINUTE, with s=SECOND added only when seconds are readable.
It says h=2 m=40
